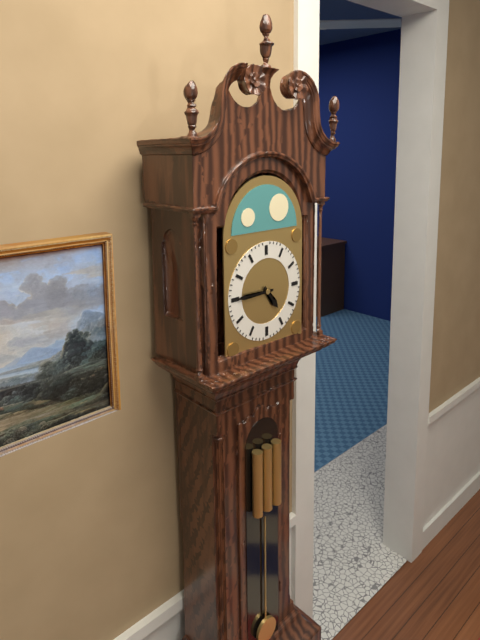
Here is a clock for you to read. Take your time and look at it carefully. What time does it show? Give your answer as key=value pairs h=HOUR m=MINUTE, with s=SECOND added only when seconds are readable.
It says h=4 m=45
